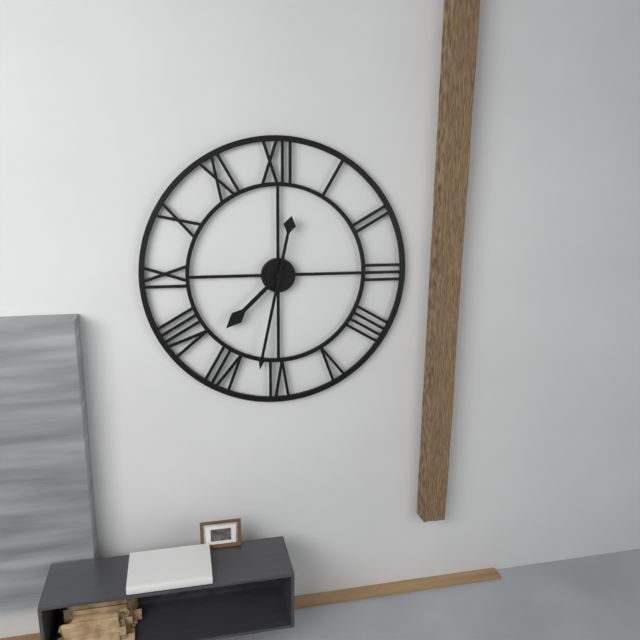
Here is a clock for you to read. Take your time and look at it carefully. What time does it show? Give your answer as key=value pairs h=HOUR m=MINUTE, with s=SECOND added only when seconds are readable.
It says h=7 m=32
